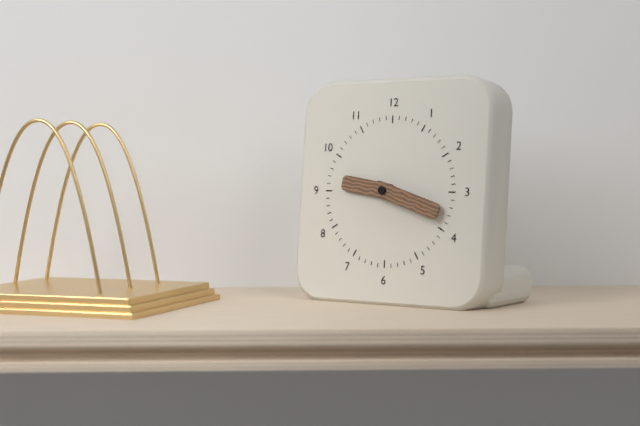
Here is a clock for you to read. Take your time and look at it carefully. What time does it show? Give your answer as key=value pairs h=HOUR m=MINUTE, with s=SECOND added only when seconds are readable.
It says h=9 m=18
